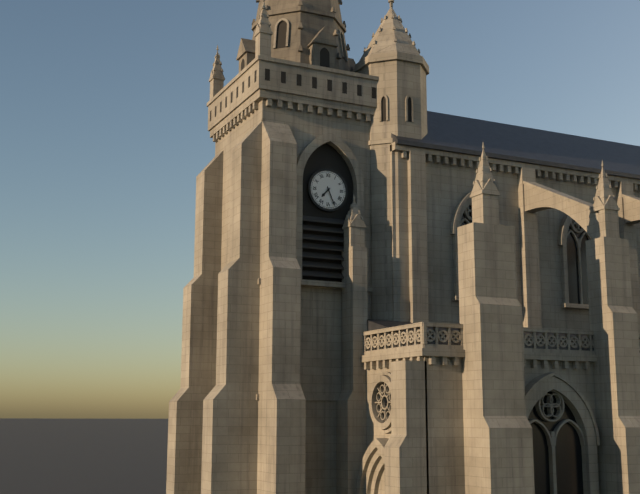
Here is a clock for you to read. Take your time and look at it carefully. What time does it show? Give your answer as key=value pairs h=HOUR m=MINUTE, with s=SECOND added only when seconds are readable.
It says h=7 m=26
